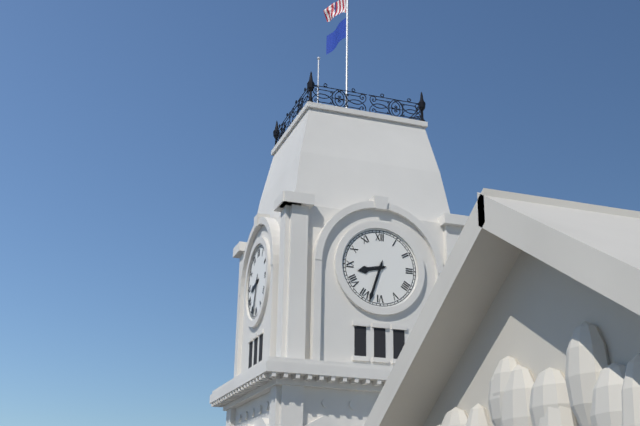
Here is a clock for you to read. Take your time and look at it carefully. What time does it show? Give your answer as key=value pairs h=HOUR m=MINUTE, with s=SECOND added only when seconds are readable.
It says h=8 m=33
